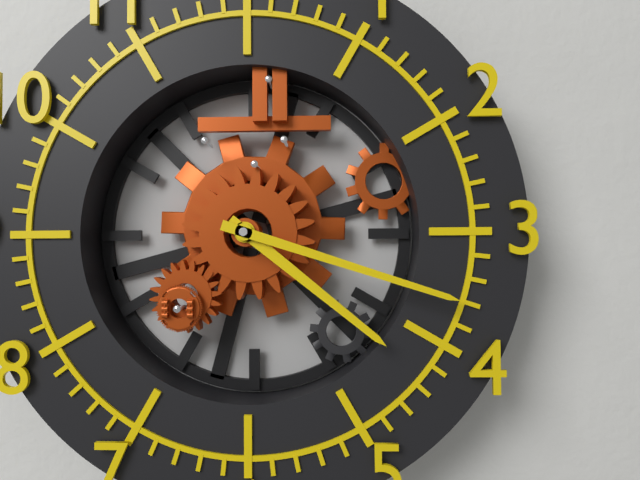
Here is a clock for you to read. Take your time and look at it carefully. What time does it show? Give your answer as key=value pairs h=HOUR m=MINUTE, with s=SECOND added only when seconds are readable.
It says h=4 m=18
